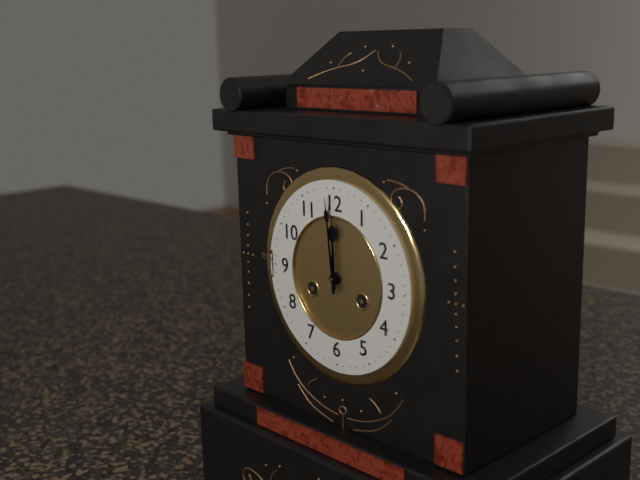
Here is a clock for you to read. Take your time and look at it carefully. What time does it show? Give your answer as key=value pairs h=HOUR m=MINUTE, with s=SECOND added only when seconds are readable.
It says h=11 m=59
